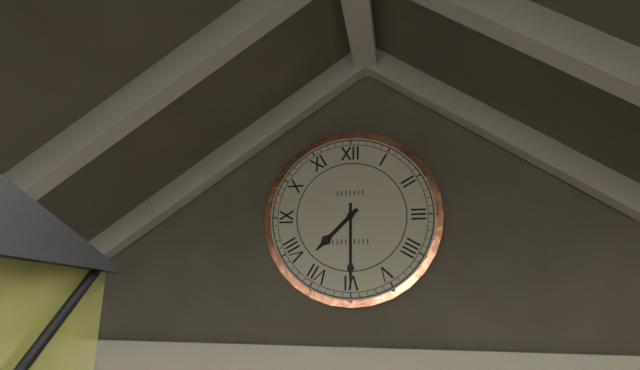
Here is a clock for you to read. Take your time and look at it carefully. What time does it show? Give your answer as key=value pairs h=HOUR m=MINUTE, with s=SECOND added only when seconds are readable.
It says h=7 m=30
